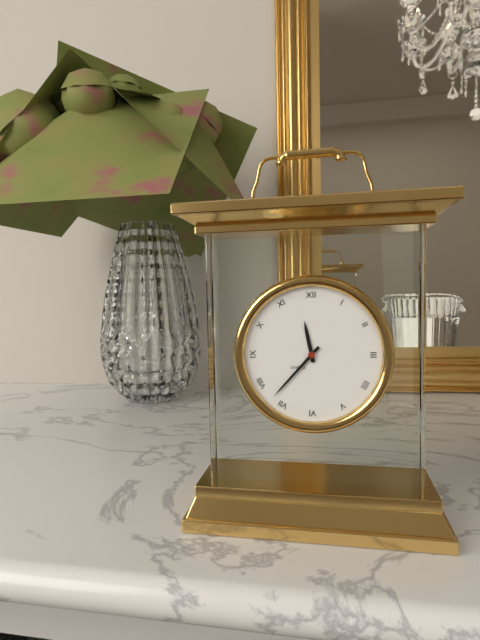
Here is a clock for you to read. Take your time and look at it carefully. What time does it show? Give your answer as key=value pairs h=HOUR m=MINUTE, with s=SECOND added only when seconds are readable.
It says h=11 m=37
